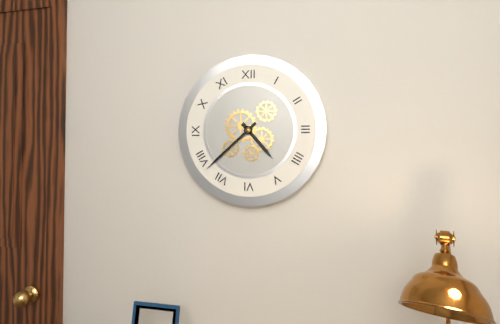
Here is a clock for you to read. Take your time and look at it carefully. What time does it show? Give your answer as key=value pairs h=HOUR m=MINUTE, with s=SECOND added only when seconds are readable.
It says h=4 m=38
